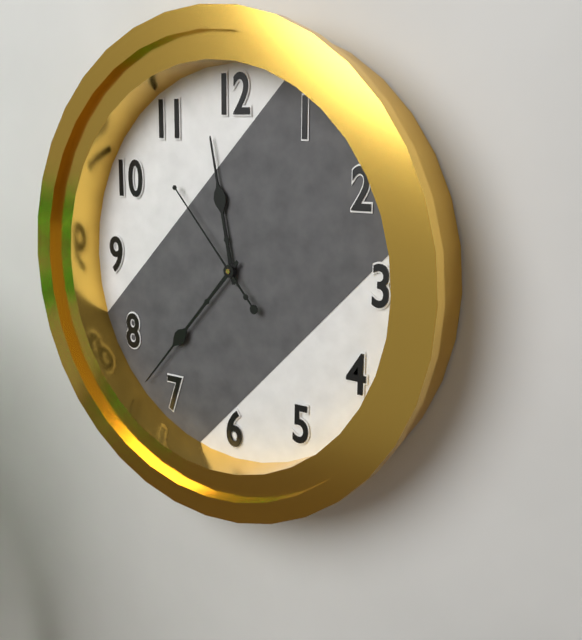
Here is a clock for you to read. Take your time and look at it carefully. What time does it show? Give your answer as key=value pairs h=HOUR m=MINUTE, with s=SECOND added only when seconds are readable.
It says h=11 m=37 s=53
